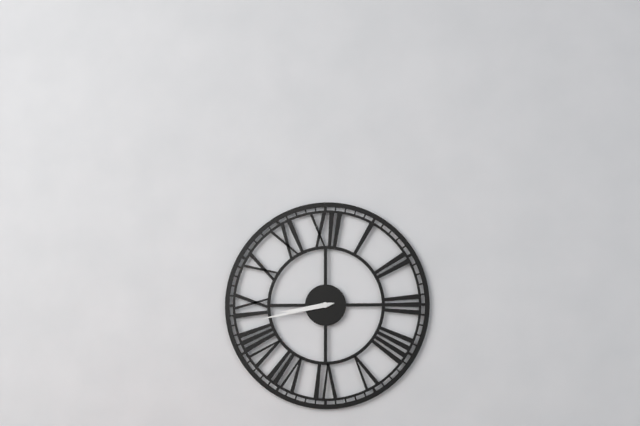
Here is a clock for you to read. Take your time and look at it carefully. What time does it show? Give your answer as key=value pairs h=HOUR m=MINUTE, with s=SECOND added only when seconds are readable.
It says h=8 m=43
